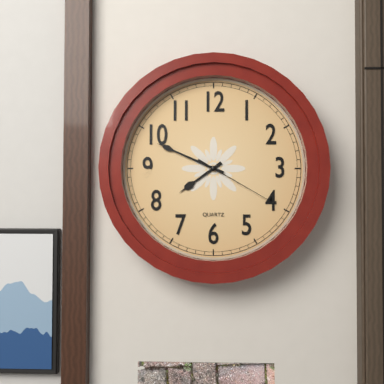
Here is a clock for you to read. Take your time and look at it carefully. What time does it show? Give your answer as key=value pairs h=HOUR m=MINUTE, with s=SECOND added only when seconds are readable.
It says h=7 m=49 s=20
